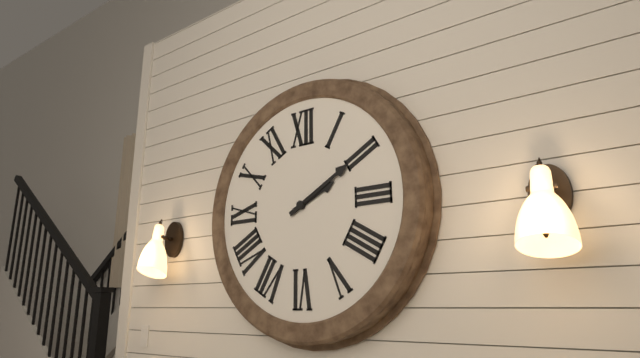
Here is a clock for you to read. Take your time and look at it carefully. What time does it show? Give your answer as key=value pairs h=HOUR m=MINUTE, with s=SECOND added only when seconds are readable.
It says h=2 m=10
